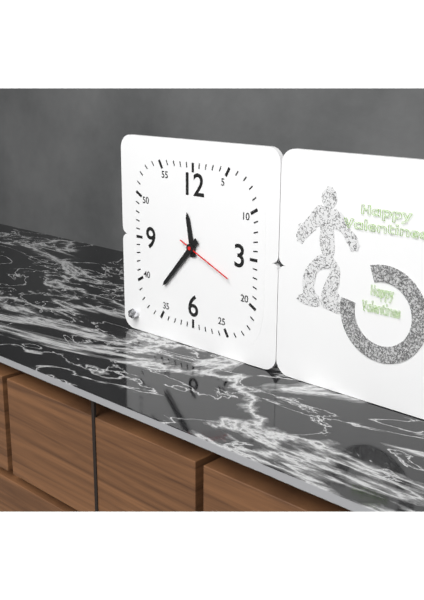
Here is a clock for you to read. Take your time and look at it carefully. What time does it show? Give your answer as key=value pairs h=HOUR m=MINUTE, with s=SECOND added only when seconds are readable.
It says h=11 m=37 s=19
